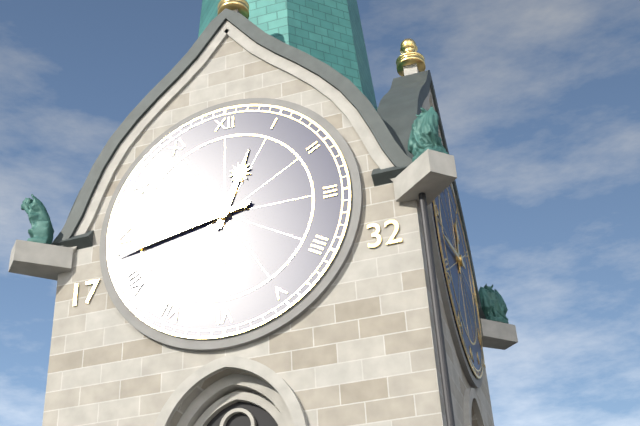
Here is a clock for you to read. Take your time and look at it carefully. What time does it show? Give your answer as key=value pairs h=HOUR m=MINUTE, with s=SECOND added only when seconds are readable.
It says h=12 m=43
